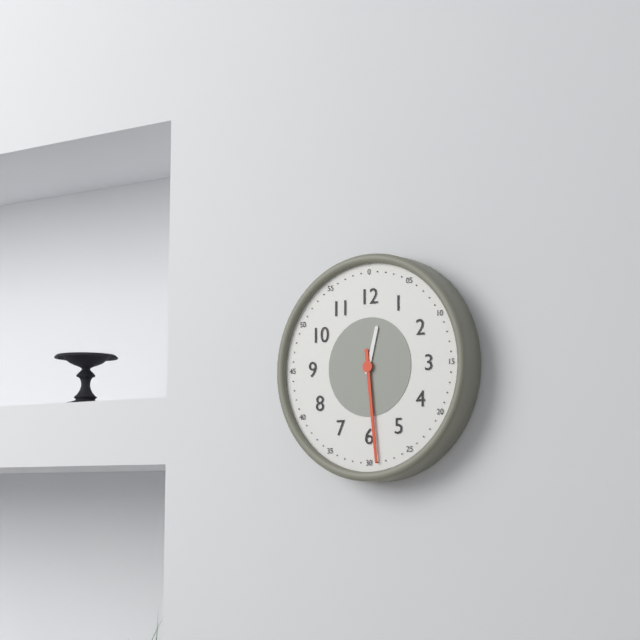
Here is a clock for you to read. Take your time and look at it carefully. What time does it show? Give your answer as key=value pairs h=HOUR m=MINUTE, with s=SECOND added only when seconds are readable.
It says h=12 m=29
